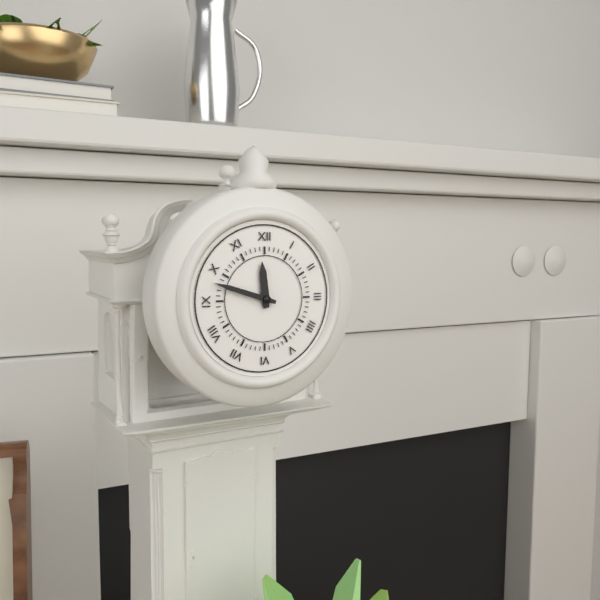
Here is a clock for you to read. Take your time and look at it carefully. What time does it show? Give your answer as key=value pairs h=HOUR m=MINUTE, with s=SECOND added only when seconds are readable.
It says h=11 m=48
